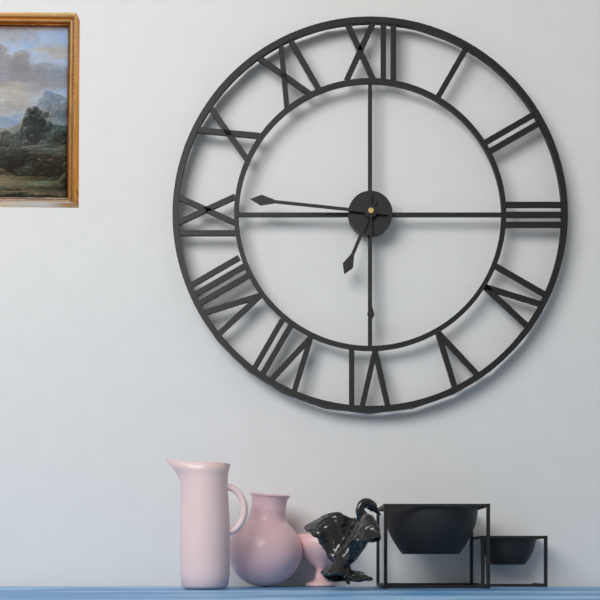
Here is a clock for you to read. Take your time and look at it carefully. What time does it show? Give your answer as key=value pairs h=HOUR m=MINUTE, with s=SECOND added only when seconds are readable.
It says h=6 m=46 s=30
